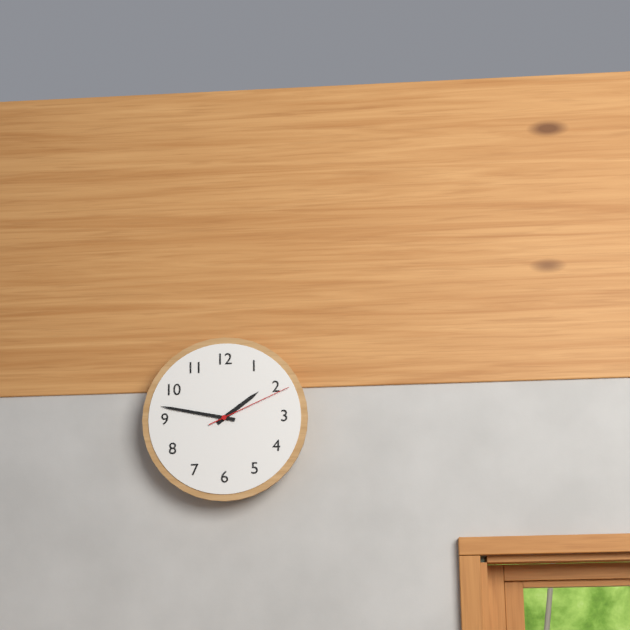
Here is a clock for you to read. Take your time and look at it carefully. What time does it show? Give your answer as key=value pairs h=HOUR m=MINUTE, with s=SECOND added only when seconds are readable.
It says h=1 m=47 s=11
